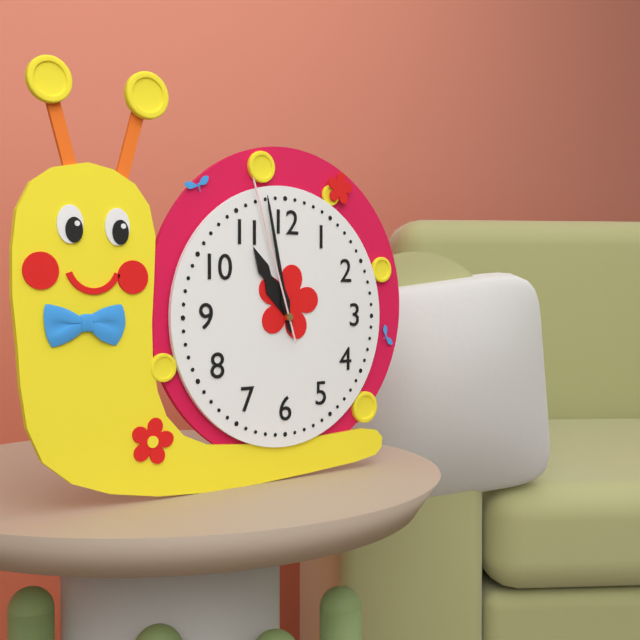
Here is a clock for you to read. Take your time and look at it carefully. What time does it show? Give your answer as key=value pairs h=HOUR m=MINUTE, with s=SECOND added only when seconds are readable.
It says h=10 m=58 s=57
